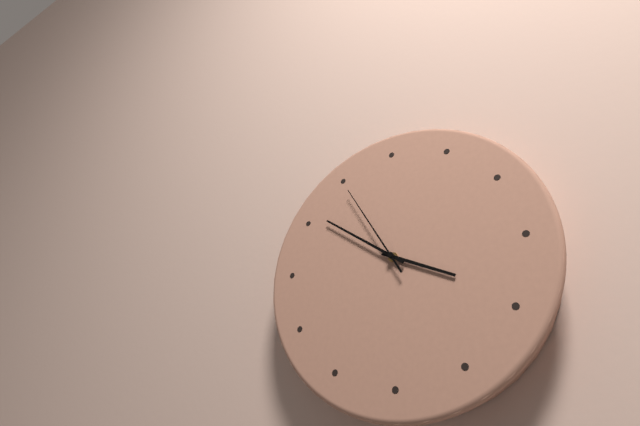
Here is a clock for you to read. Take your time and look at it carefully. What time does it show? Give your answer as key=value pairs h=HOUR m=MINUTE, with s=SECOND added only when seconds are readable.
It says h=3 m=51 s=55
